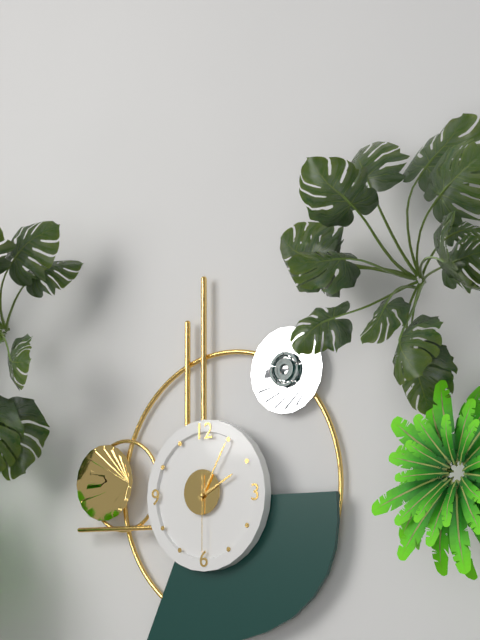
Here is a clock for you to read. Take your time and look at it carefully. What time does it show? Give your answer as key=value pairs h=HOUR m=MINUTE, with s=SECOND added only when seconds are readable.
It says h=2 m=5 s=30
